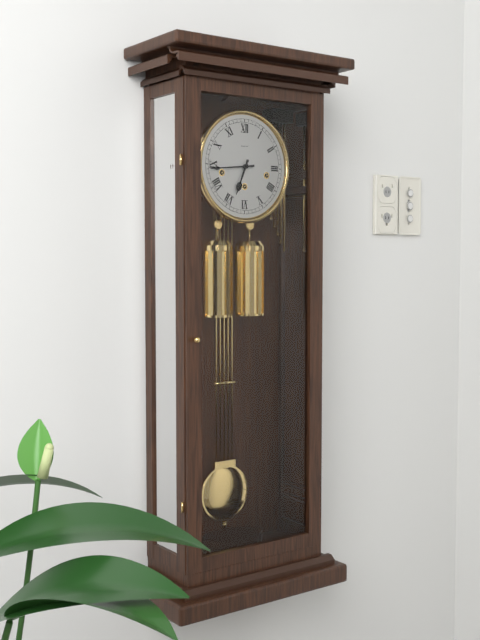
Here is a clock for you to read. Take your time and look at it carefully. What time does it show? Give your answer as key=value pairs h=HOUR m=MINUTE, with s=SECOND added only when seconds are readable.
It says h=6 m=44
